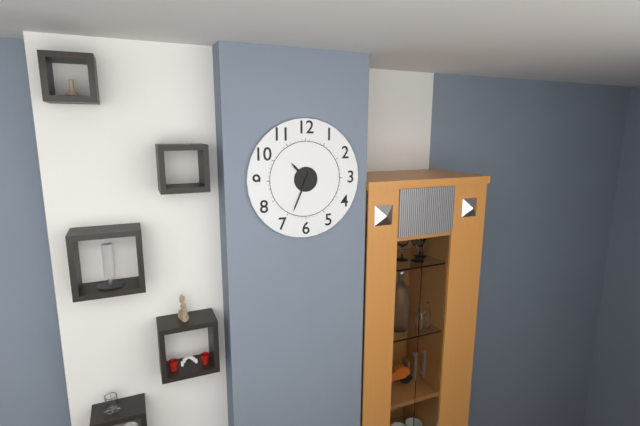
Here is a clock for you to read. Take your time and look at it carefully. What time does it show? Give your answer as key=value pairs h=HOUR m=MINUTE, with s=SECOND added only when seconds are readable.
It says h=10 m=34
